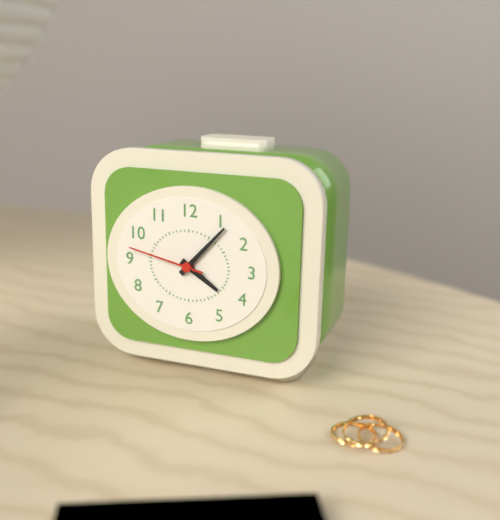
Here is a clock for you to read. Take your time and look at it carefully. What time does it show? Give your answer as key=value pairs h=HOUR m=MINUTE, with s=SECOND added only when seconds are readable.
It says h=4 m=7 s=47
